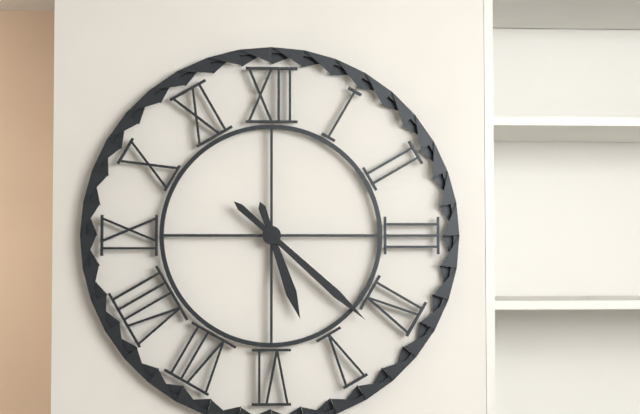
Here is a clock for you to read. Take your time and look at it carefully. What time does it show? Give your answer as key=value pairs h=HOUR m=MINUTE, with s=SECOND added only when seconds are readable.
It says h=5 m=22
